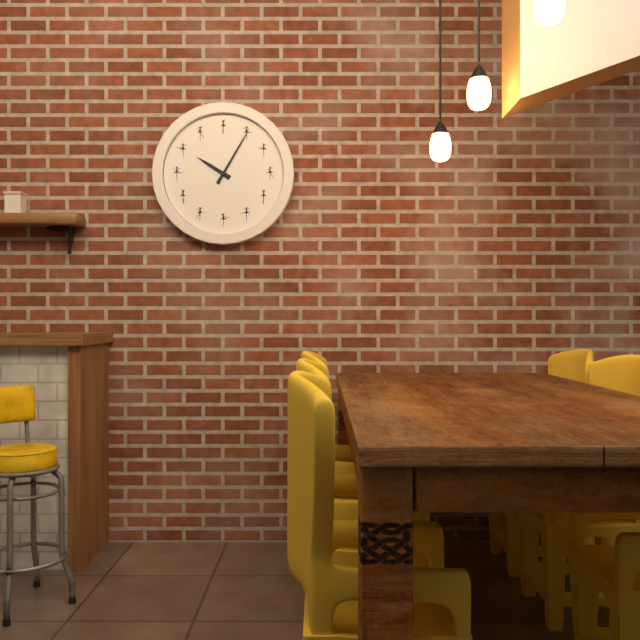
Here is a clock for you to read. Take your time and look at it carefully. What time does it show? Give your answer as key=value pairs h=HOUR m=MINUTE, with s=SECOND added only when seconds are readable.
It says h=10 m=5
